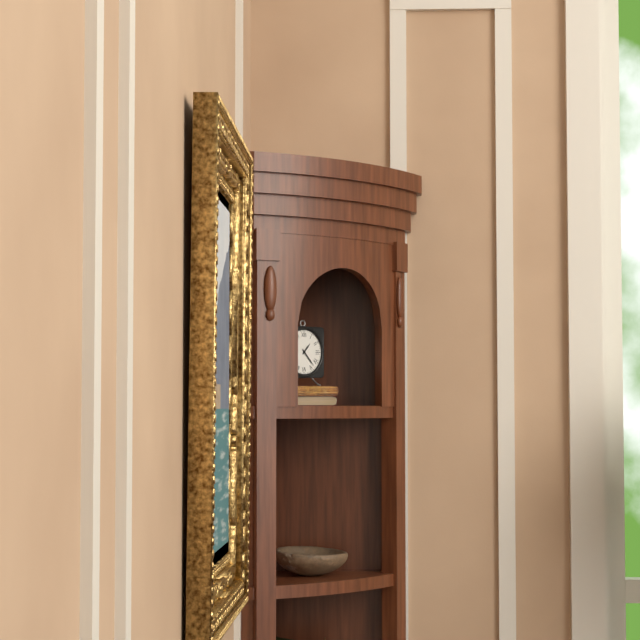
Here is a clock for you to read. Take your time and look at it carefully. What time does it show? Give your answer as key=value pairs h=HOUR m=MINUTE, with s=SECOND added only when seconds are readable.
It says h=1 m=23
